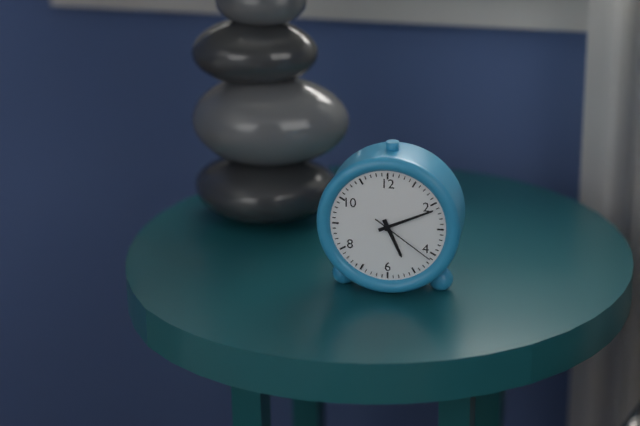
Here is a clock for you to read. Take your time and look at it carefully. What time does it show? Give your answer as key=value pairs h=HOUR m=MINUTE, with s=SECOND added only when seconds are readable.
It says h=5 m=11 s=21
